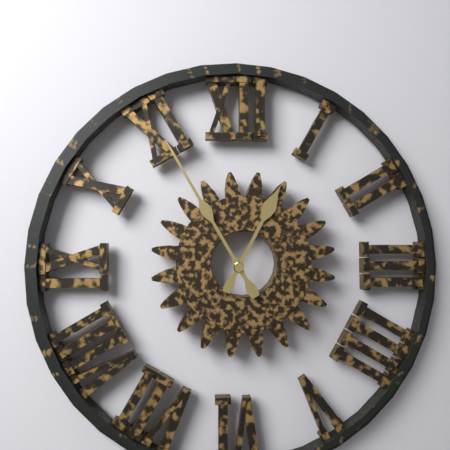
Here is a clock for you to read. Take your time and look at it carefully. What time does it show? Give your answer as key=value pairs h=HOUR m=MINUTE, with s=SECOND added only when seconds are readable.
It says h=12 m=55
